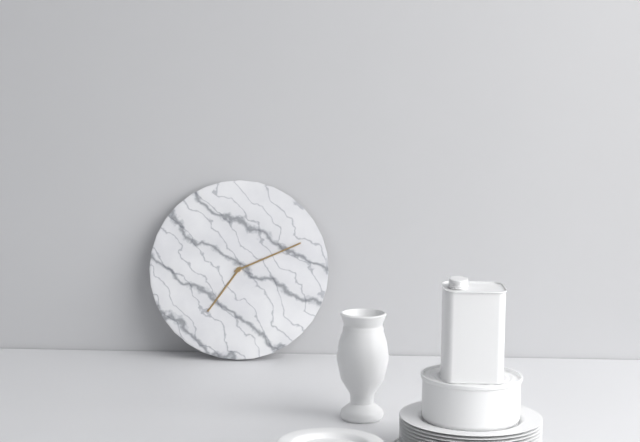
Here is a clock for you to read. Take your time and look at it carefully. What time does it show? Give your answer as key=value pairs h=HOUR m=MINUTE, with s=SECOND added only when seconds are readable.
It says h=7 m=11
